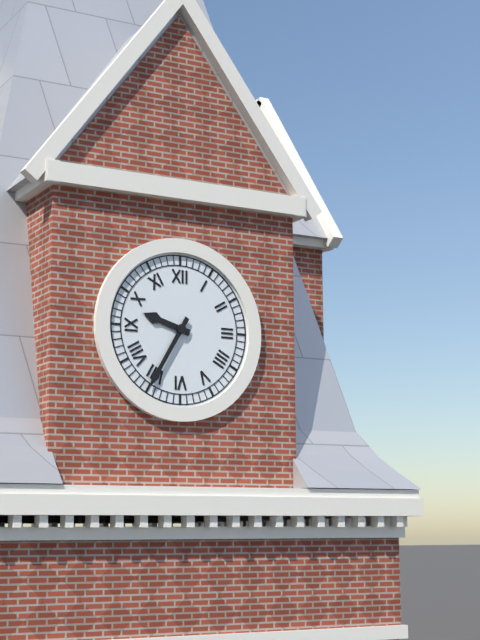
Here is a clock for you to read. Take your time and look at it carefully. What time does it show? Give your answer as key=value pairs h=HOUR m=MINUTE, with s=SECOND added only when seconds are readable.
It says h=9 m=35
